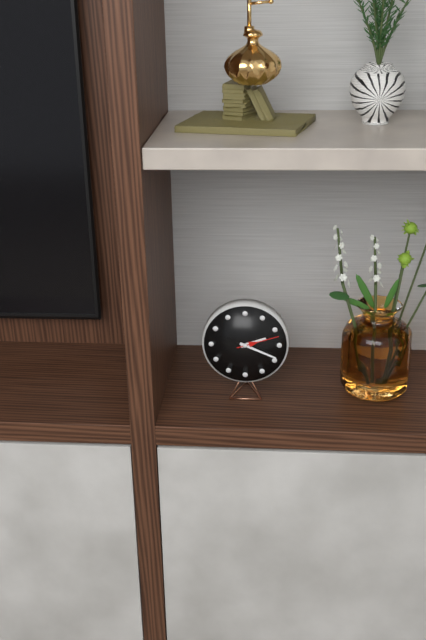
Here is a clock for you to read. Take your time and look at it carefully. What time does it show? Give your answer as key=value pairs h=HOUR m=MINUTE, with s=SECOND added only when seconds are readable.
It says h=2 m=19
